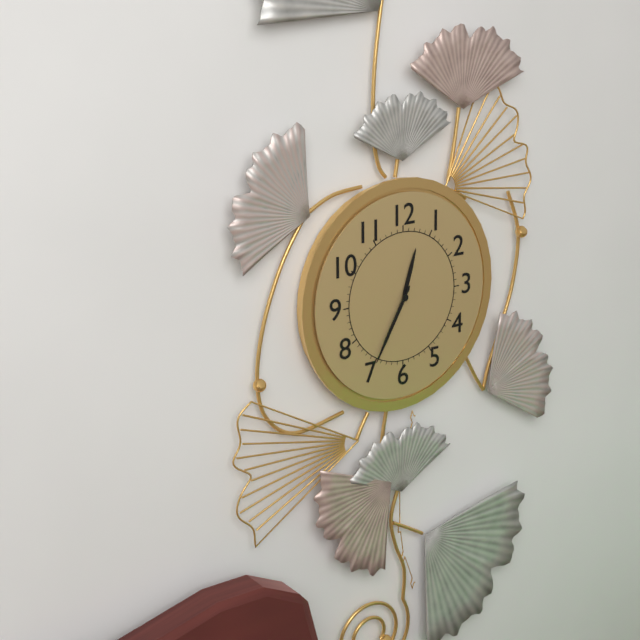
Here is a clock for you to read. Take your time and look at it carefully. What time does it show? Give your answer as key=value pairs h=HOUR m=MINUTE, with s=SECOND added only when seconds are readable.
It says h=12 m=35
